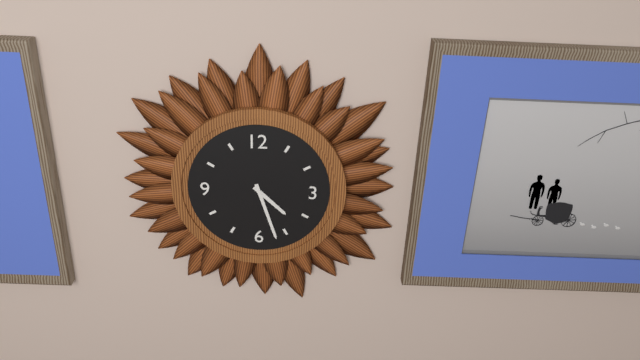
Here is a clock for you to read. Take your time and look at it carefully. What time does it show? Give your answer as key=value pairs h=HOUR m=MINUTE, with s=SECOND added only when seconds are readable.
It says h=4 m=27
